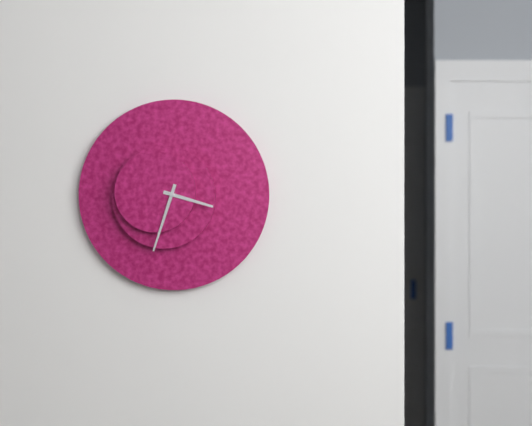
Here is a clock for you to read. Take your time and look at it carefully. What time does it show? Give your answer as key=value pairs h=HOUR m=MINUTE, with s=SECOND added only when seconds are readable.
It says h=3 m=33
